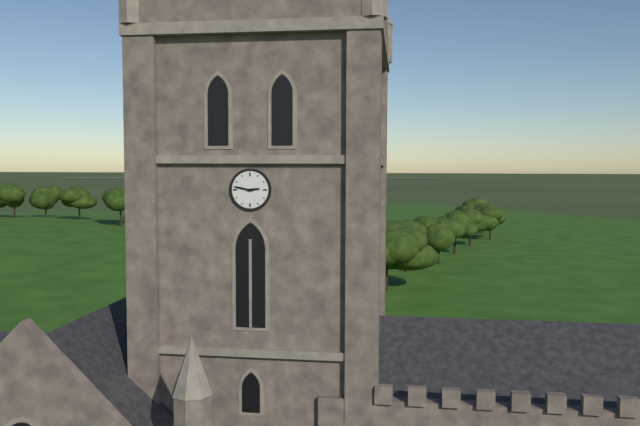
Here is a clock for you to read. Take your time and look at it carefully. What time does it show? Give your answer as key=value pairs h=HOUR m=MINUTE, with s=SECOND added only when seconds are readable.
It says h=2 m=47
